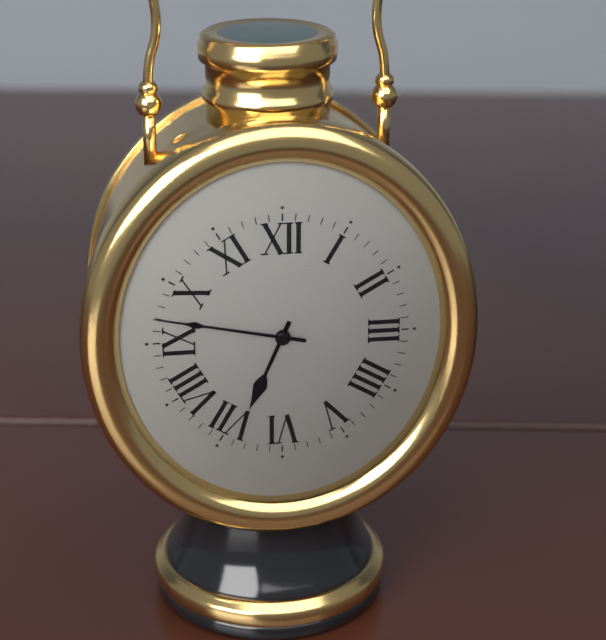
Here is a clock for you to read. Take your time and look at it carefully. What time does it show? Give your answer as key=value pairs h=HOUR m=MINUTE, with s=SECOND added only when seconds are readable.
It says h=6 m=47
